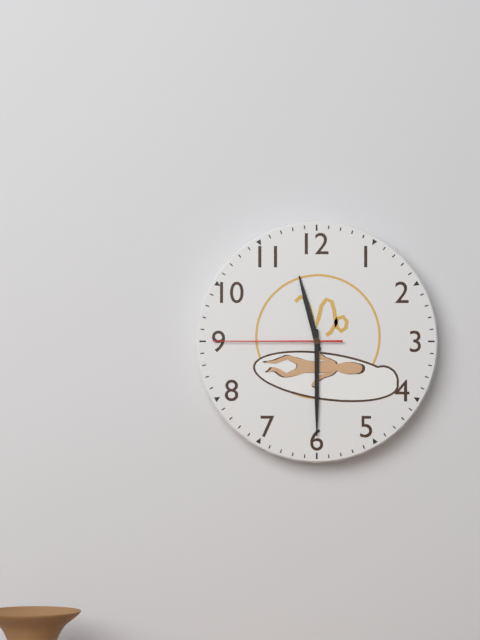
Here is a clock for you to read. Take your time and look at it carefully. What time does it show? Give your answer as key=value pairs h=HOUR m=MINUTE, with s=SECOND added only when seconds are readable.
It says h=11 m=30 s=45
